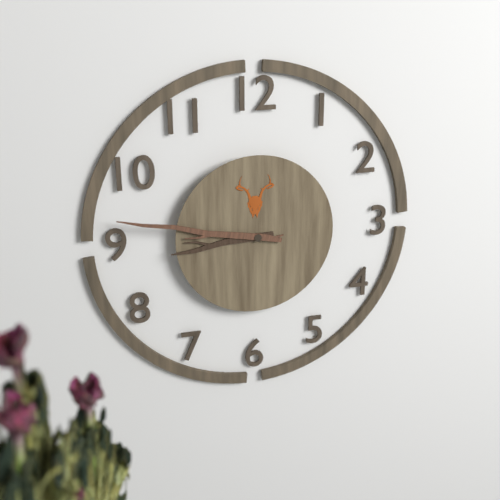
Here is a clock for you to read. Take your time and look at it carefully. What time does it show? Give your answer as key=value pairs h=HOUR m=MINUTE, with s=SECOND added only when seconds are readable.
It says h=8 m=47
